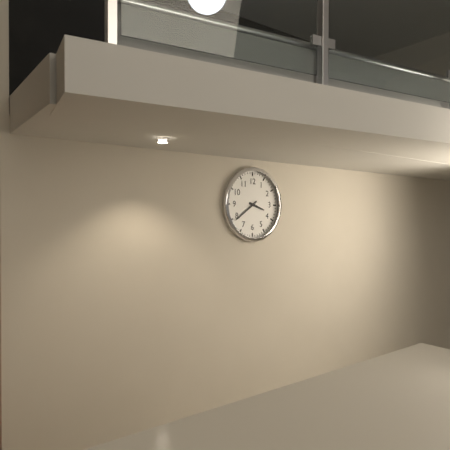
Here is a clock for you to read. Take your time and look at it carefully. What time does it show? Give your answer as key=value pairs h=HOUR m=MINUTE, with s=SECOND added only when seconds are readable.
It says h=3 m=39
